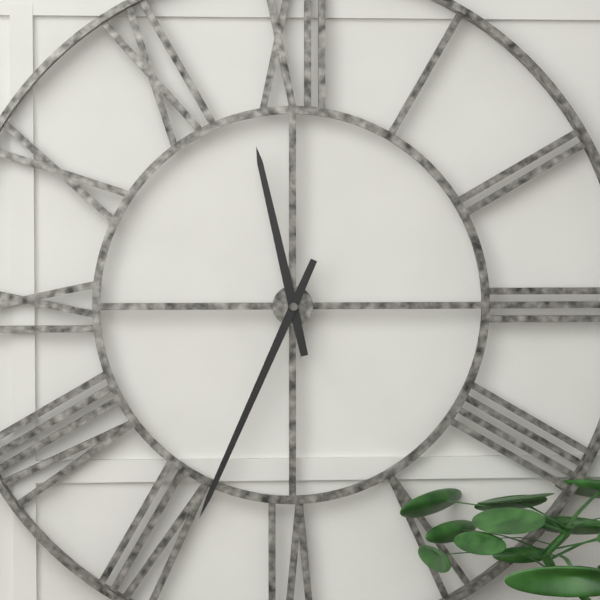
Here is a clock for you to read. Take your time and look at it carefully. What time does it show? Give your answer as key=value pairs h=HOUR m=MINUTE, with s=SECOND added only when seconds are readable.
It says h=11 m=34
